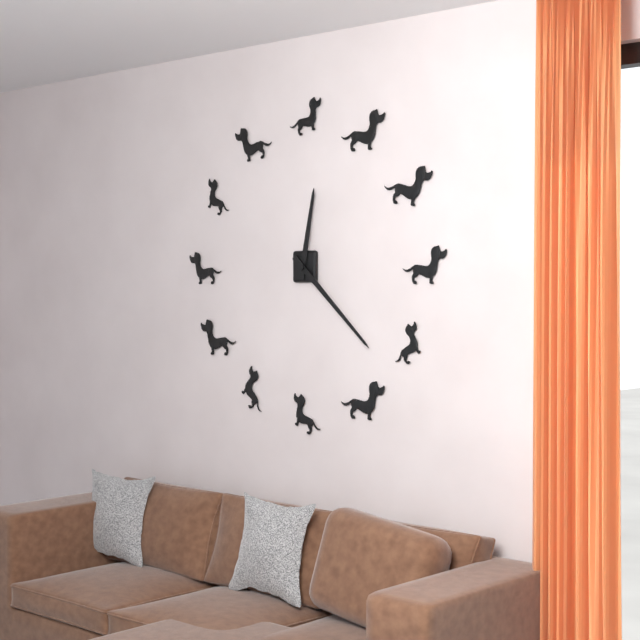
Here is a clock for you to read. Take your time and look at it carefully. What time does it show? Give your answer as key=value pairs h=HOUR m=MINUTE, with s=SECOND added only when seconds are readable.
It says h=12 m=22
